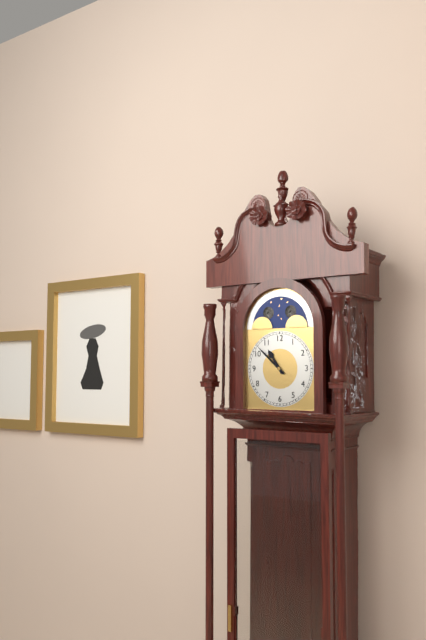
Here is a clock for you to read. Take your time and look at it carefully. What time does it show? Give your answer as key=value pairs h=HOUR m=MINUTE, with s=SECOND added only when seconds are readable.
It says h=10 m=52
